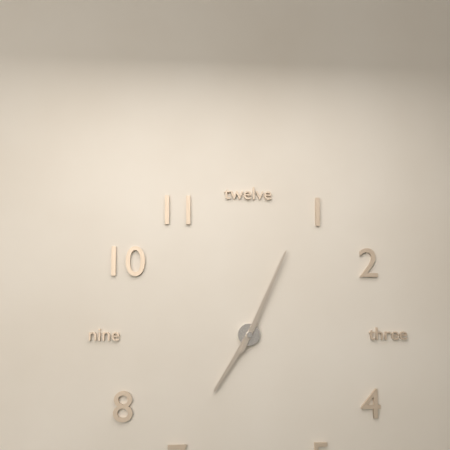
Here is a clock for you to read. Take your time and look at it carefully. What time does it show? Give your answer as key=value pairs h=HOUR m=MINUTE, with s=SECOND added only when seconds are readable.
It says h=7 m=4
